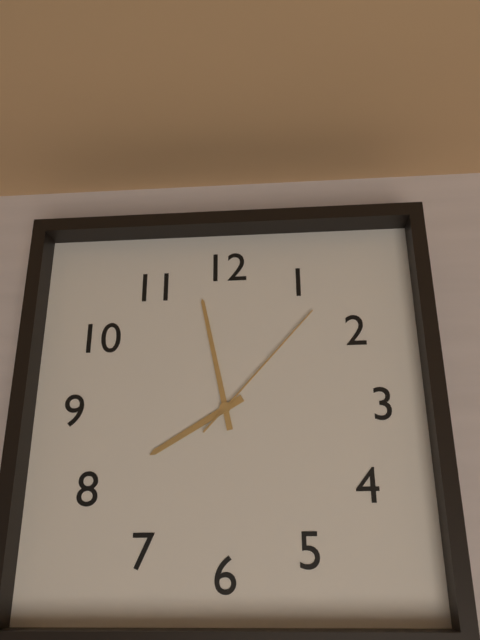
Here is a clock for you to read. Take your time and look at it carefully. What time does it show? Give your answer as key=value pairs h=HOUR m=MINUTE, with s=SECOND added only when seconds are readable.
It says h=7 m=58 s=7
